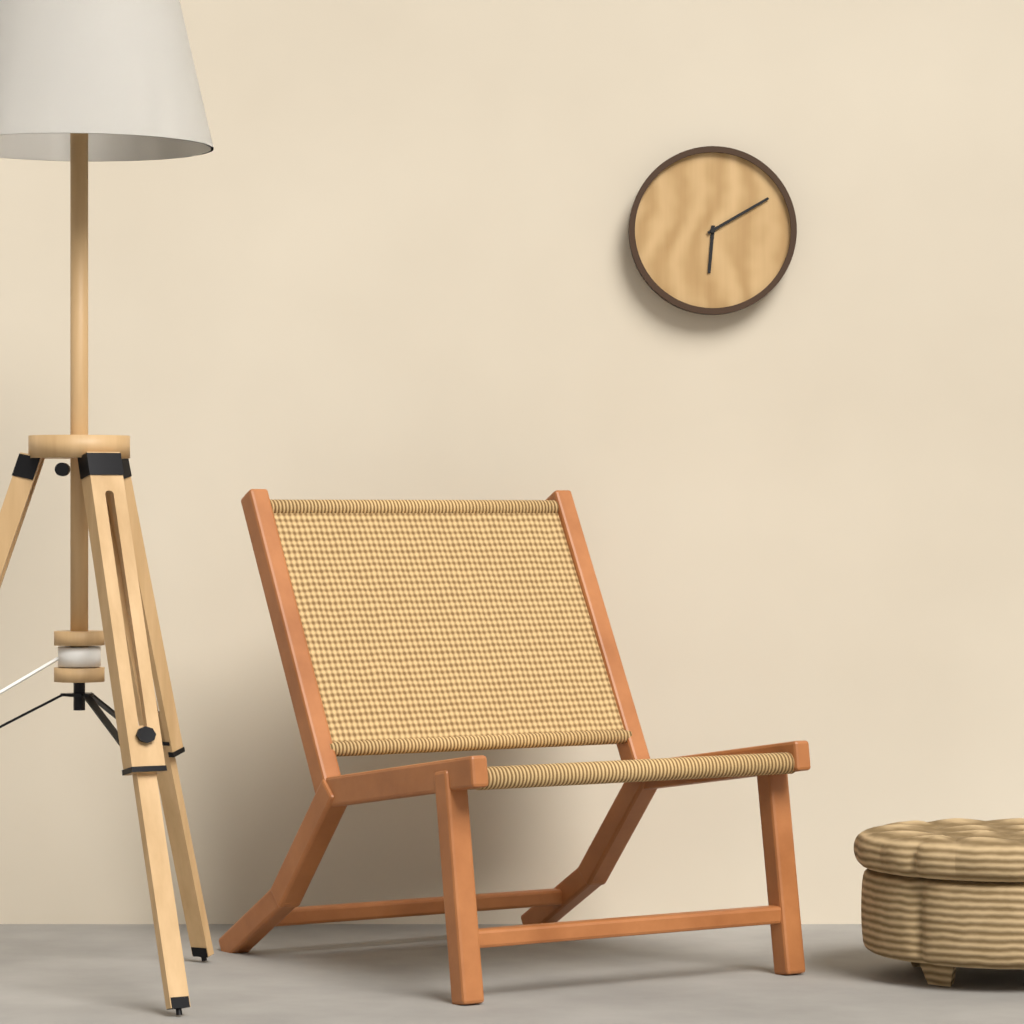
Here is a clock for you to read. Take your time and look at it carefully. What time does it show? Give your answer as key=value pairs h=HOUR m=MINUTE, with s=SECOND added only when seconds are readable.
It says h=6 m=10
